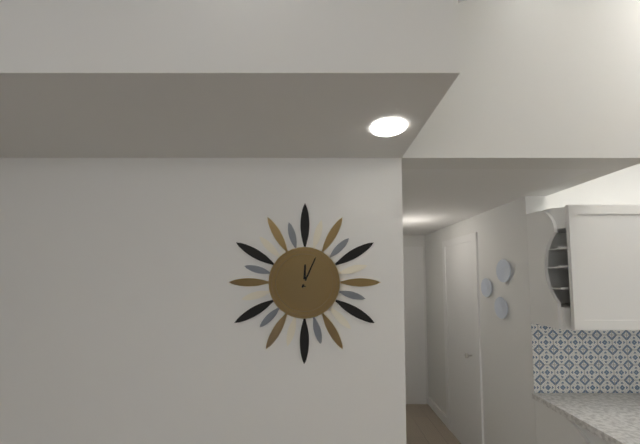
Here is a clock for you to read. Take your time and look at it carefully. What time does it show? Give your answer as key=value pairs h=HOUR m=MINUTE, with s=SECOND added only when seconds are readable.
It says h=12 m=4
